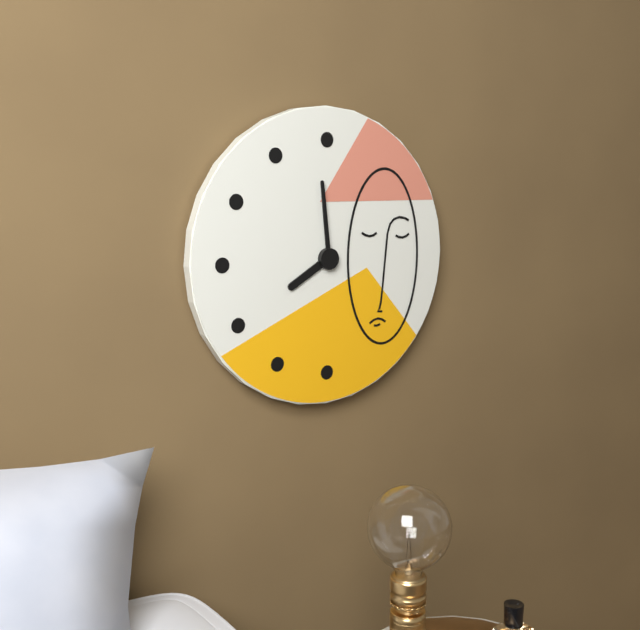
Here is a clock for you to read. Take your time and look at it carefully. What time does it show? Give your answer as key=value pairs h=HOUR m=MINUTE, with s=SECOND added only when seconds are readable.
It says h=7 m=59
